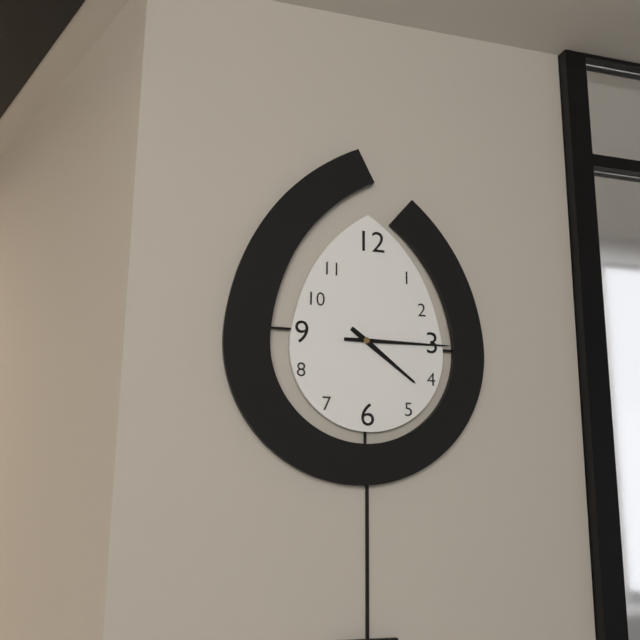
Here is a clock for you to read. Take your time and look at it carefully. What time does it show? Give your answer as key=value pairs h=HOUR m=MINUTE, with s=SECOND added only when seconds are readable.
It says h=4 m=15
